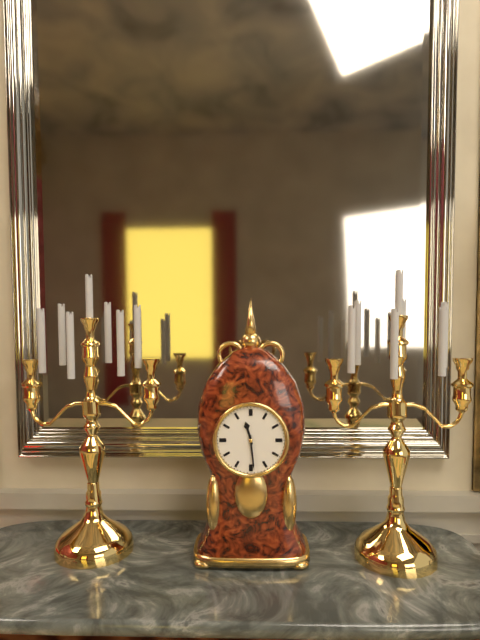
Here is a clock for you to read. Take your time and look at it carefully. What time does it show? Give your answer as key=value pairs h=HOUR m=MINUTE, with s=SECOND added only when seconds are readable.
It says h=11 m=29
